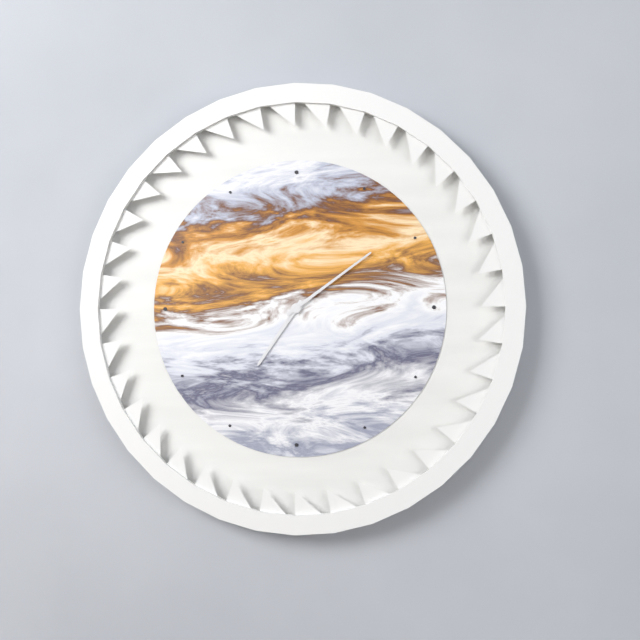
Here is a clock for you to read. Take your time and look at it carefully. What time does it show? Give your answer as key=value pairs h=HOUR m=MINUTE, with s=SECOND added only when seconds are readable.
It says h=7 m=9
